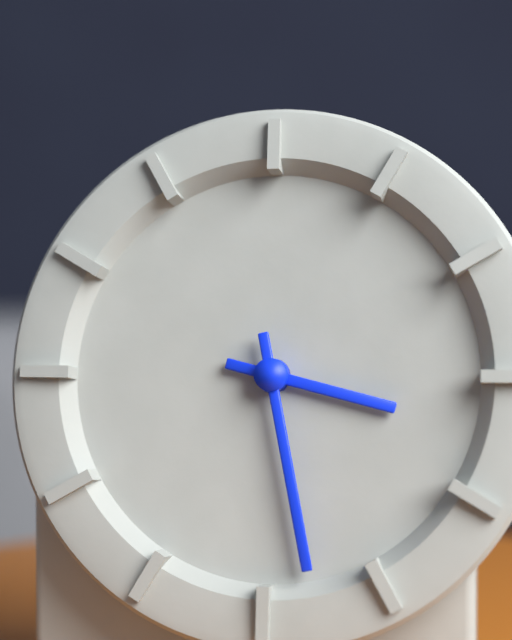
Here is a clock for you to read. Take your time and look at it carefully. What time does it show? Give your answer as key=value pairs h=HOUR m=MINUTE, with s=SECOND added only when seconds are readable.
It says h=3 m=28
